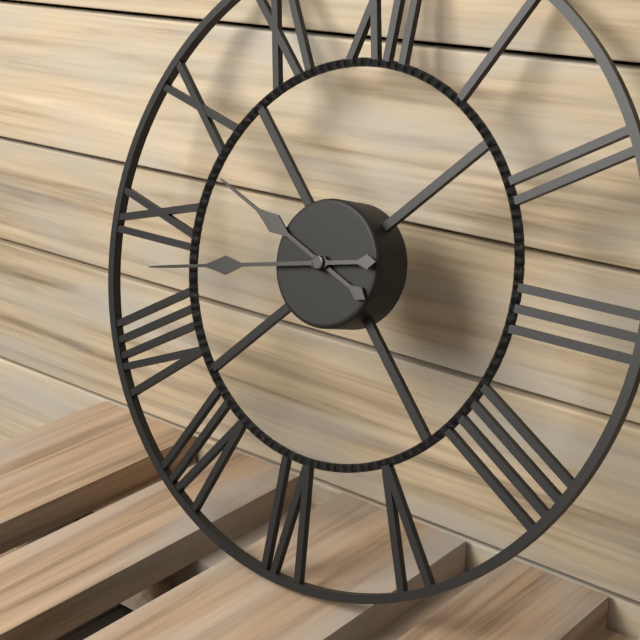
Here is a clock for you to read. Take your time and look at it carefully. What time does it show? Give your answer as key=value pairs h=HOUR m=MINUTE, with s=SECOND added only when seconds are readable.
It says h=9 m=43
